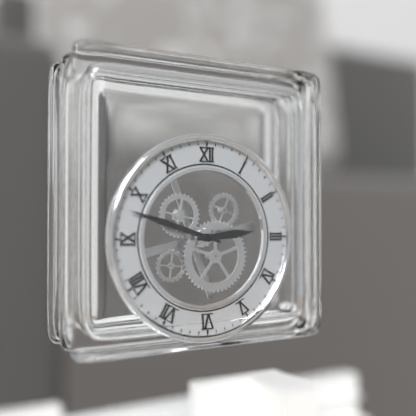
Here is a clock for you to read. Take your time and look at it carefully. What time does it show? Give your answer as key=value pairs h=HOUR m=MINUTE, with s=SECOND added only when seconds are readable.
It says h=2 m=48
